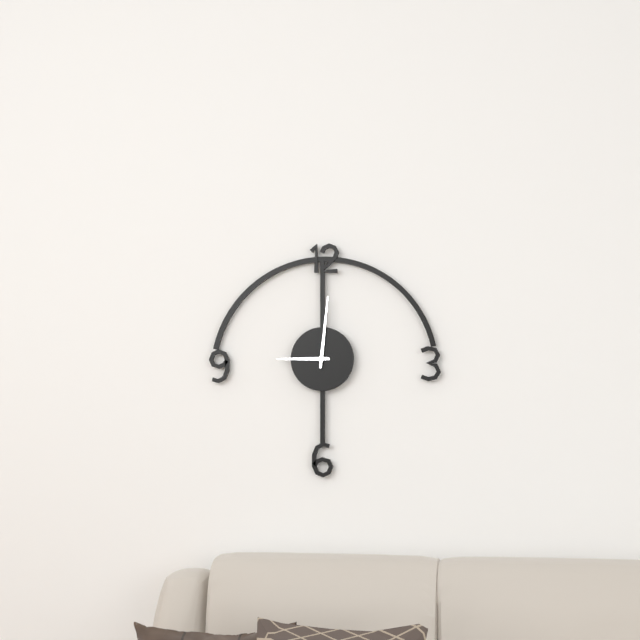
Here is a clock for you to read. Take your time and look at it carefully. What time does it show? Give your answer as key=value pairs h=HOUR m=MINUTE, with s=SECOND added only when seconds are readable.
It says h=9 m=1
